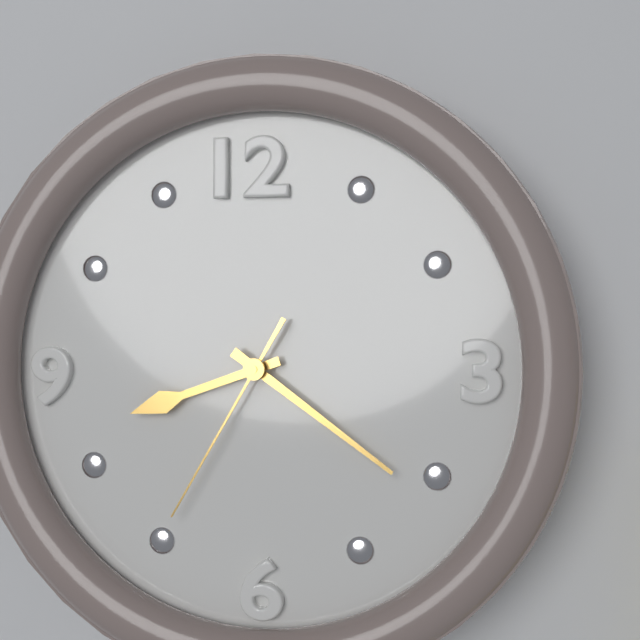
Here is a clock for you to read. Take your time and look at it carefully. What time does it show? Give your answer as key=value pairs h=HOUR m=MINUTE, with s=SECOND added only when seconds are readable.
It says h=8 m=21 s=35
